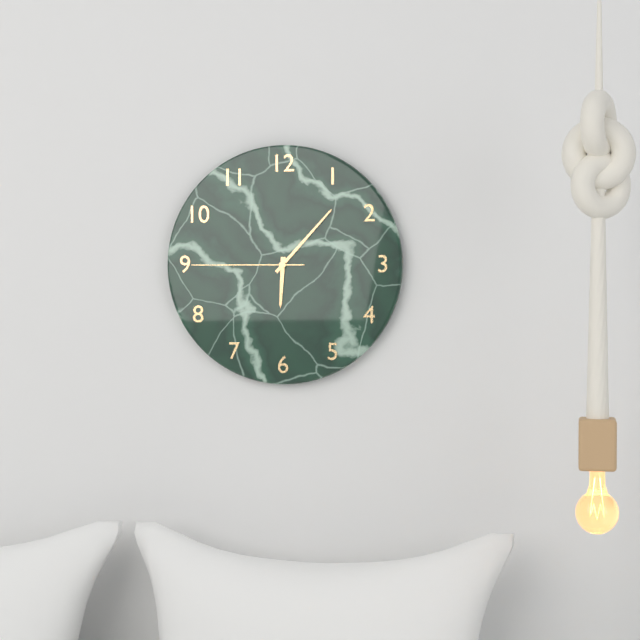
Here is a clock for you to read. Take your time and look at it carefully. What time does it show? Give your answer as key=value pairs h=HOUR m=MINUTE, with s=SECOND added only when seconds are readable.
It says h=6 m=7 s=45
